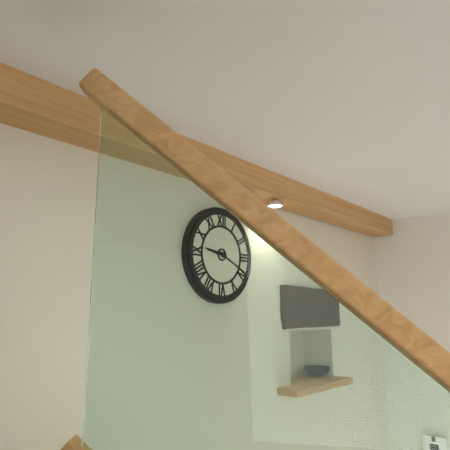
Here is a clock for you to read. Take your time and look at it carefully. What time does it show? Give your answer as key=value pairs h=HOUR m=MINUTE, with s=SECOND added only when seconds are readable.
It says h=9 m=19
